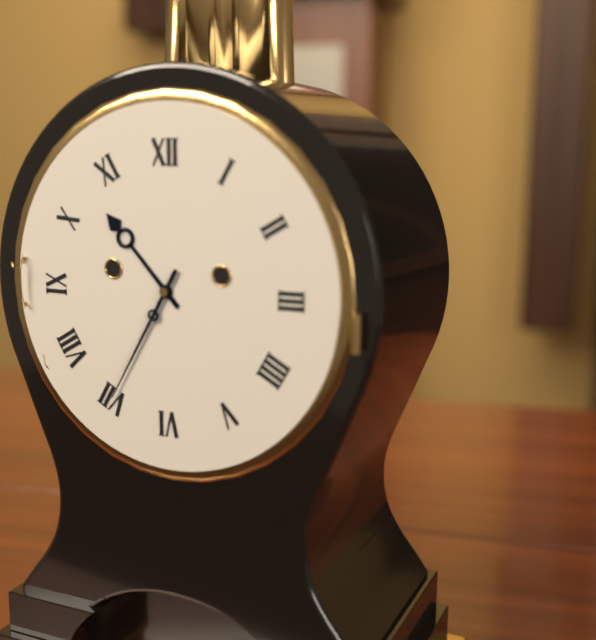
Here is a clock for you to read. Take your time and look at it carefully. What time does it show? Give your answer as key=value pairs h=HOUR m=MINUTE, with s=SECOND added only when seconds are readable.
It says h=10 m=35
